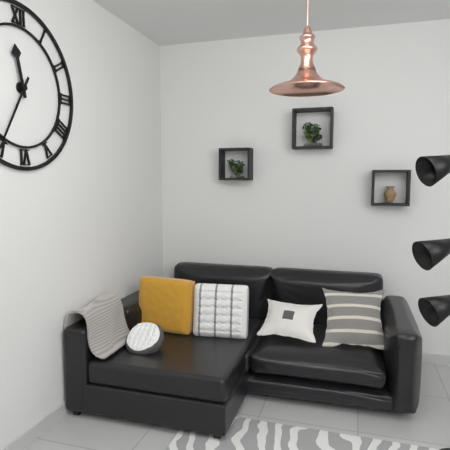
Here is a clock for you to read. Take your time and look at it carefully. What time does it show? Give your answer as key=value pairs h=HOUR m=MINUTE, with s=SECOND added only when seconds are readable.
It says h=11 m=35
